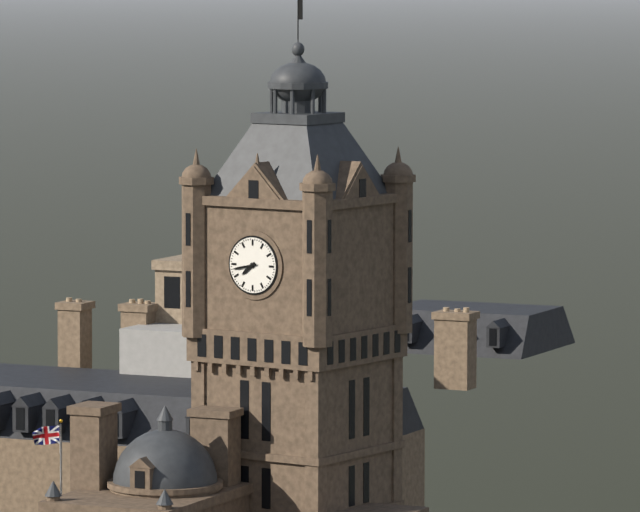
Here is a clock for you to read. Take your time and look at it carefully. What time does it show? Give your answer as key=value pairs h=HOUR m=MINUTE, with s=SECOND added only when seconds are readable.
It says h=7 m=43
